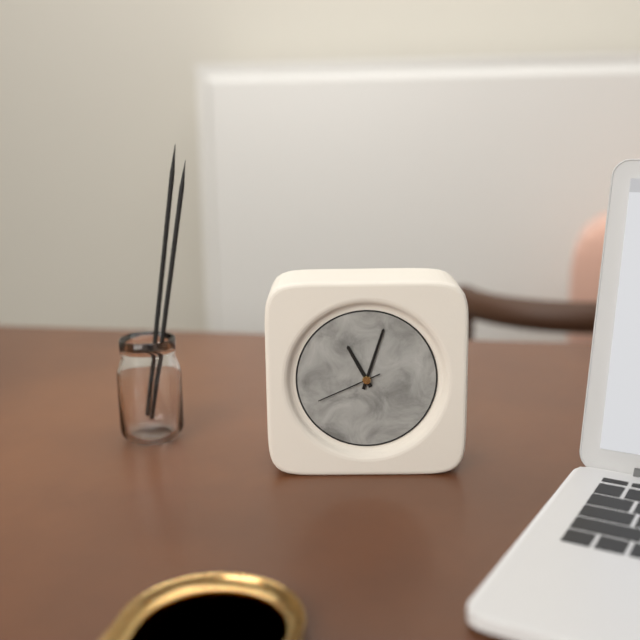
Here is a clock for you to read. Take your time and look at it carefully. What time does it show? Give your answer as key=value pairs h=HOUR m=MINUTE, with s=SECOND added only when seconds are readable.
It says h=11 m=3 s=41
